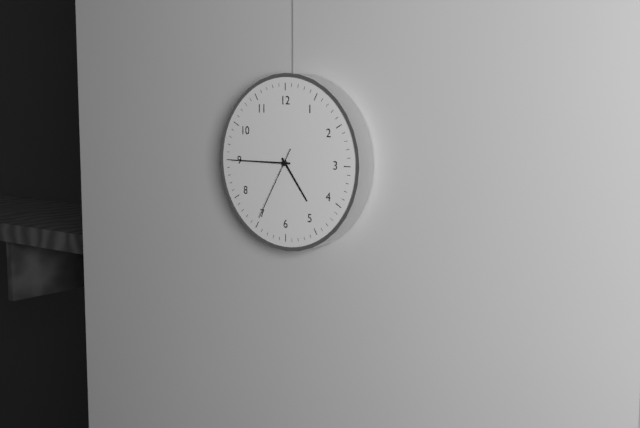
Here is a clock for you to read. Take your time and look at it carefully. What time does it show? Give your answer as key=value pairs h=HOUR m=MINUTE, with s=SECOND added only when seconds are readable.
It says h=4 m=45 s=35
